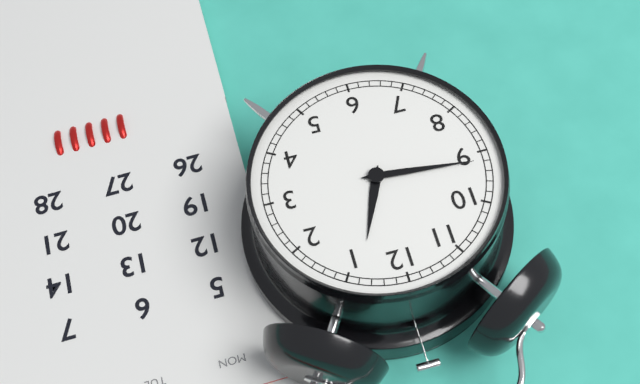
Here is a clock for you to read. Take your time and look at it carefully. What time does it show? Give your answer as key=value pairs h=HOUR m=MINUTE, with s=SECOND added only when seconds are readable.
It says h=12 m=46
